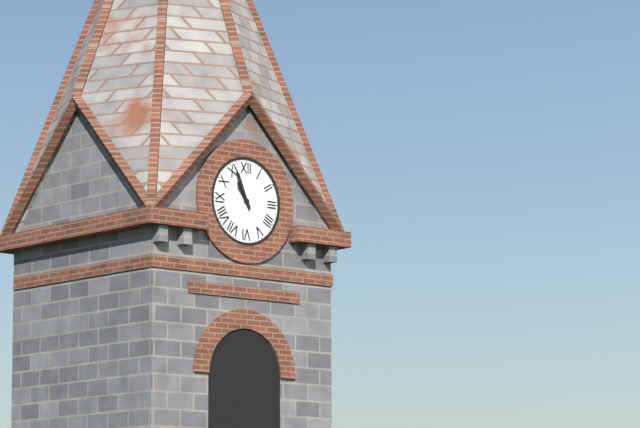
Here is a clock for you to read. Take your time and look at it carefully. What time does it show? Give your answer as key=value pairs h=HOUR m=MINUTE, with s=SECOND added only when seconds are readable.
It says h=10 m=56
